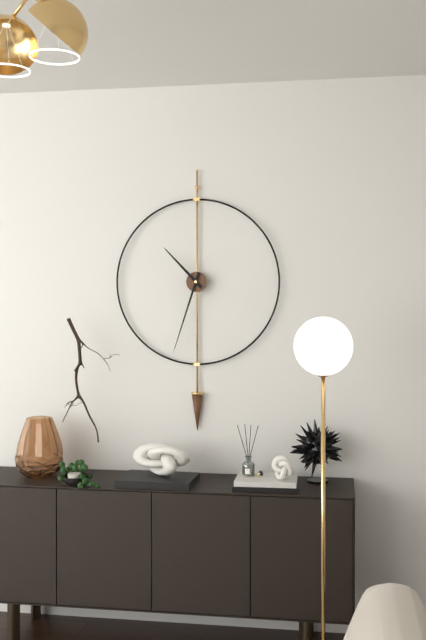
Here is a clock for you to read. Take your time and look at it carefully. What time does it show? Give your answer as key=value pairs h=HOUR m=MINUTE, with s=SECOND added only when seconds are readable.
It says h=10 m=33
